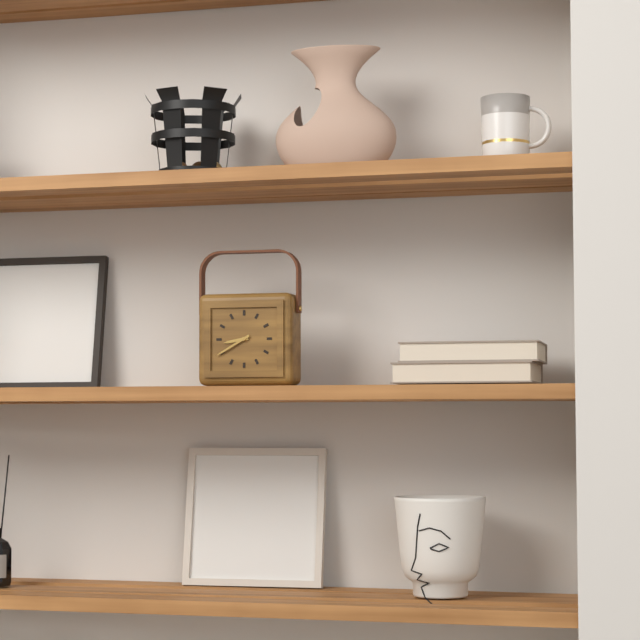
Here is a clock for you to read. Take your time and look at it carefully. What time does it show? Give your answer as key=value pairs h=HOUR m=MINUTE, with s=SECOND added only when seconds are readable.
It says h=8 m=40
